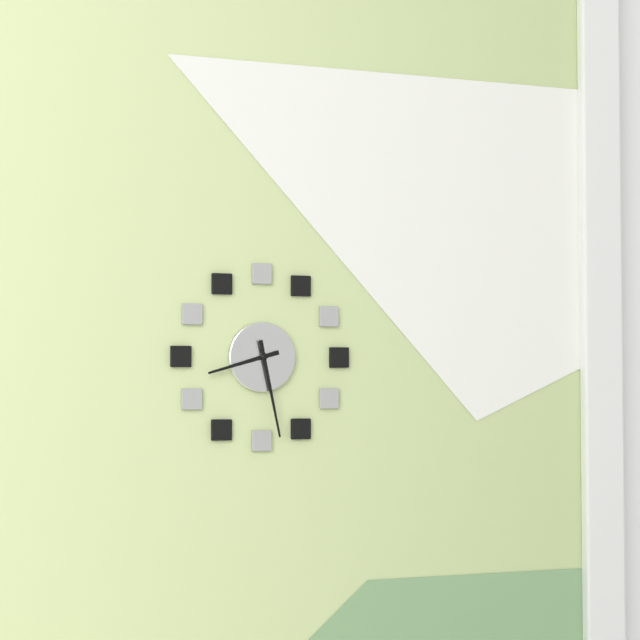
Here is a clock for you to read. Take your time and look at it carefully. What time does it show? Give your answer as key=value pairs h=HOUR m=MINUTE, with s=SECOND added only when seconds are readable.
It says h=8 m=28
